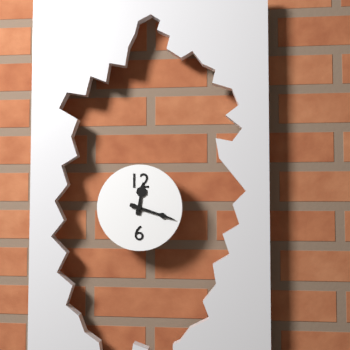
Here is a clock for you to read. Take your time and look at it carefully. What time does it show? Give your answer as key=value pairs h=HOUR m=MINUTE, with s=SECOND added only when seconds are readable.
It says h=12 m=18
